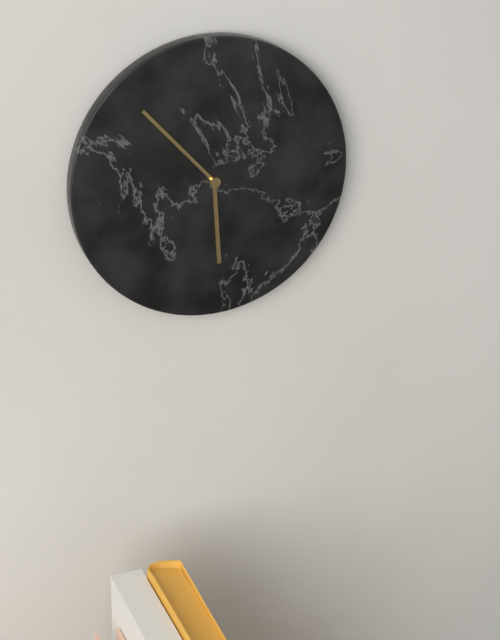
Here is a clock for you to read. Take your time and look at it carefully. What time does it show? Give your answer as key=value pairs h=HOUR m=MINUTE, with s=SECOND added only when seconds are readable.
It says h=5 m=53
